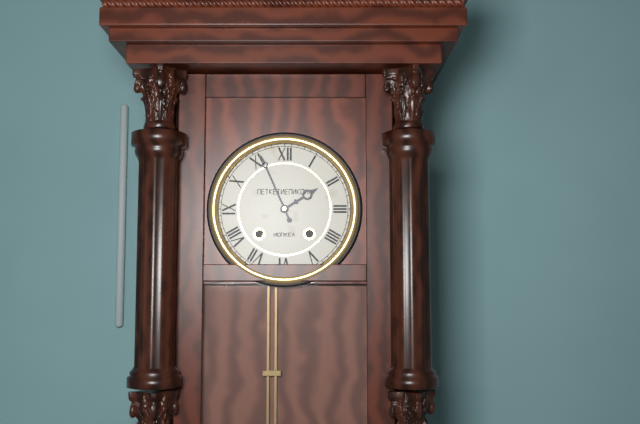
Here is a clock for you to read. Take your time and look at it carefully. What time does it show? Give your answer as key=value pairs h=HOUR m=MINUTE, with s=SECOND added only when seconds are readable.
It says h=1 m=56
